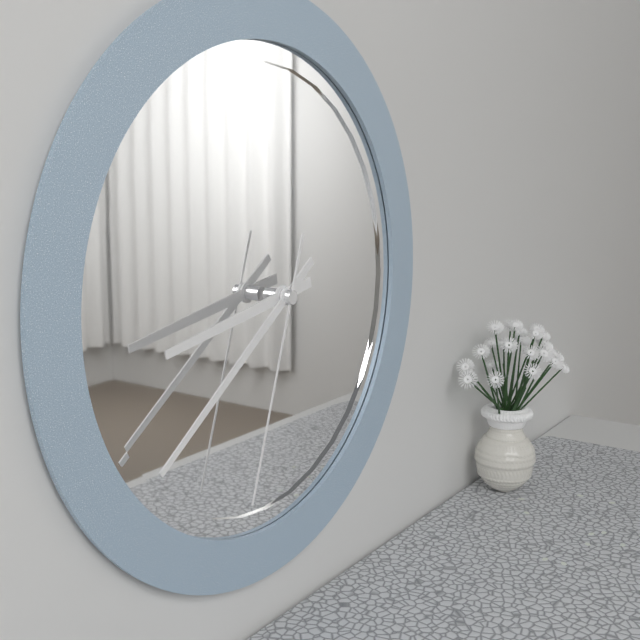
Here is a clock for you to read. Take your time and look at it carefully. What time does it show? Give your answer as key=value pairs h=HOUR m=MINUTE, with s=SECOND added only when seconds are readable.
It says h=8 m=39 s=33
